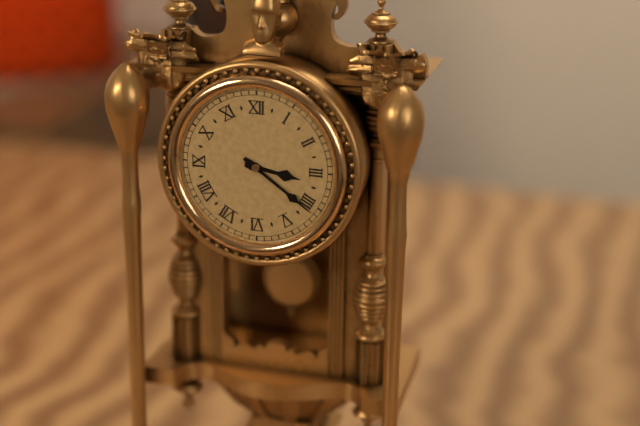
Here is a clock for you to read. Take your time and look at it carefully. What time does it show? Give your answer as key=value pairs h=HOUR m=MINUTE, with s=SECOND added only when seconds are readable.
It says h=3 m=21
